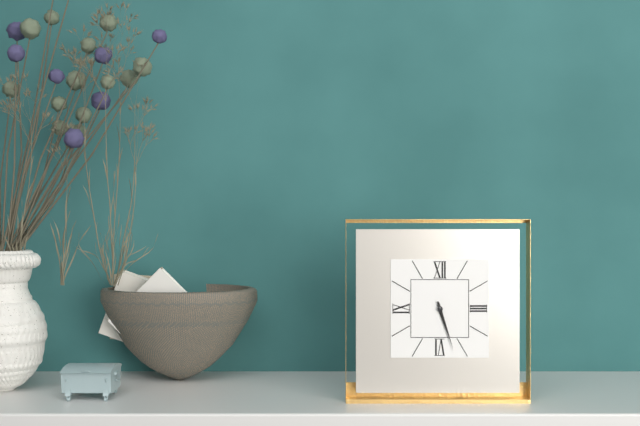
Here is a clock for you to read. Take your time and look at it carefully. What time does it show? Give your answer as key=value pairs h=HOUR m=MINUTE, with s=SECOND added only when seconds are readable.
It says h=5 m=27
